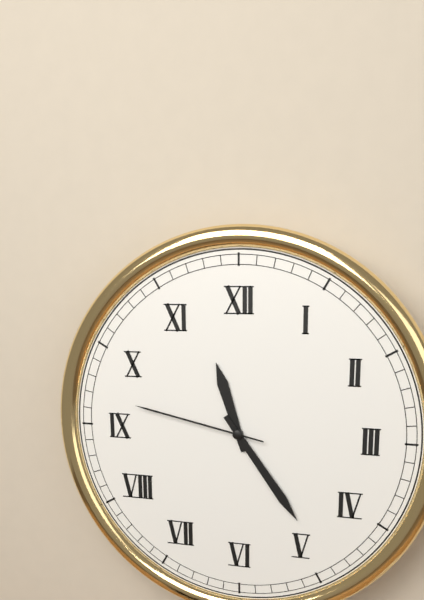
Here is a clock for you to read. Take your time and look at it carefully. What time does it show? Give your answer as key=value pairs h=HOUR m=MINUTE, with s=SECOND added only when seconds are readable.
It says h=11 m=24 s=47
